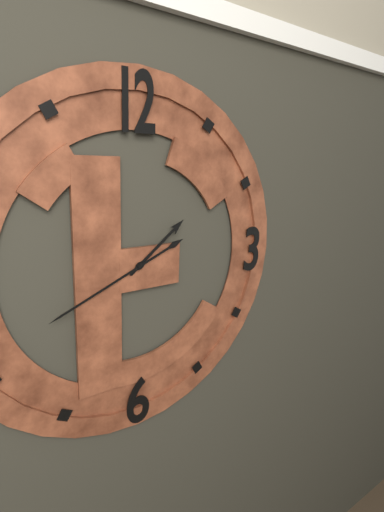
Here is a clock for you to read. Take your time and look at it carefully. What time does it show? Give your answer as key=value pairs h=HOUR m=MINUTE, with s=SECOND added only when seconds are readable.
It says h=1 m=41
